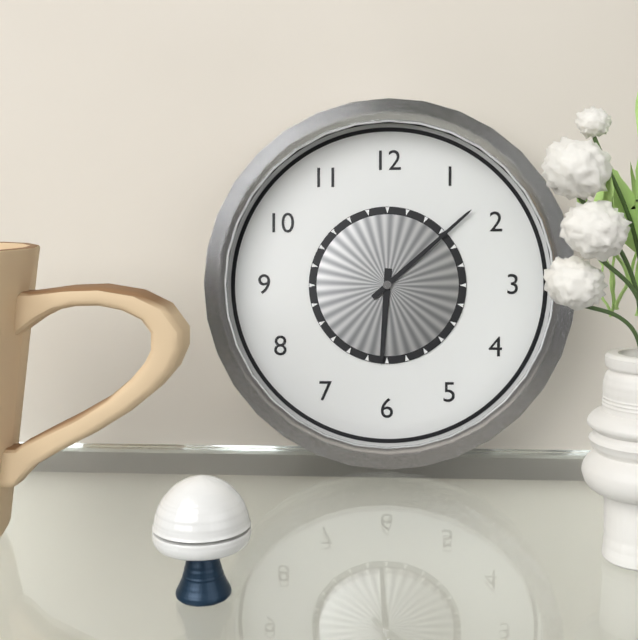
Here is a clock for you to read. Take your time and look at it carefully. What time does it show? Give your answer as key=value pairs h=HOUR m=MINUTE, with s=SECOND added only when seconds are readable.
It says h=6 m=8
